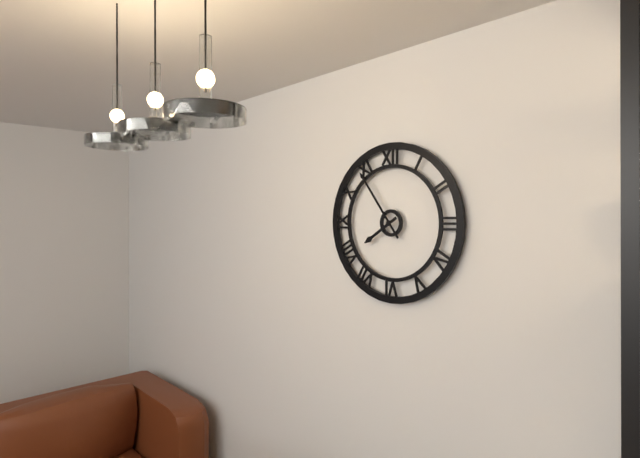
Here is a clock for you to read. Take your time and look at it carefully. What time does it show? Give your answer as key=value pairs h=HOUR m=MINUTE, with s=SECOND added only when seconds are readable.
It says h=7 m=54
